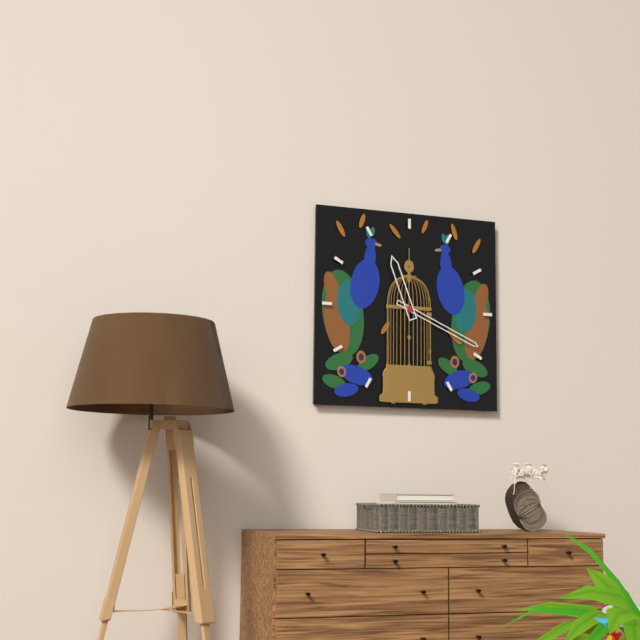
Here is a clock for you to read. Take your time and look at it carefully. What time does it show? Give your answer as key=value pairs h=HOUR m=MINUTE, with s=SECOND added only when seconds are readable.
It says h=11 m=19
